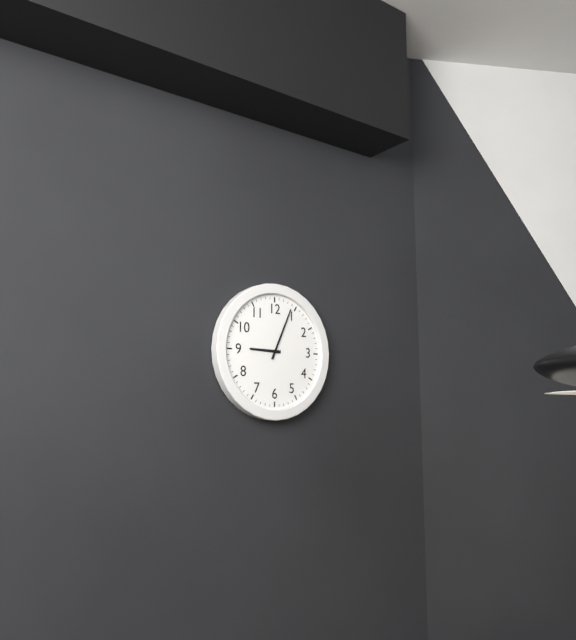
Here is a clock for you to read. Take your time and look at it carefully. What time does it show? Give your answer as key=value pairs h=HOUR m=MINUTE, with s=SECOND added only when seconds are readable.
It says h=9 m=4
